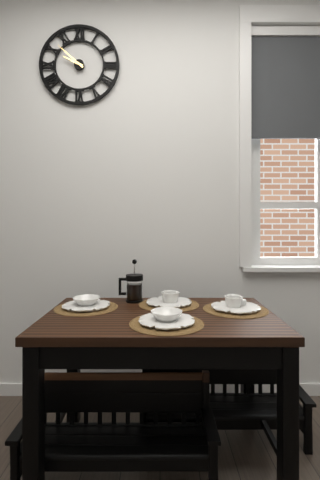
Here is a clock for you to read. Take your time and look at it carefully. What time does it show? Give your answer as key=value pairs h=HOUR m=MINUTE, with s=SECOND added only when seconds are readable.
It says h=9 m=52
